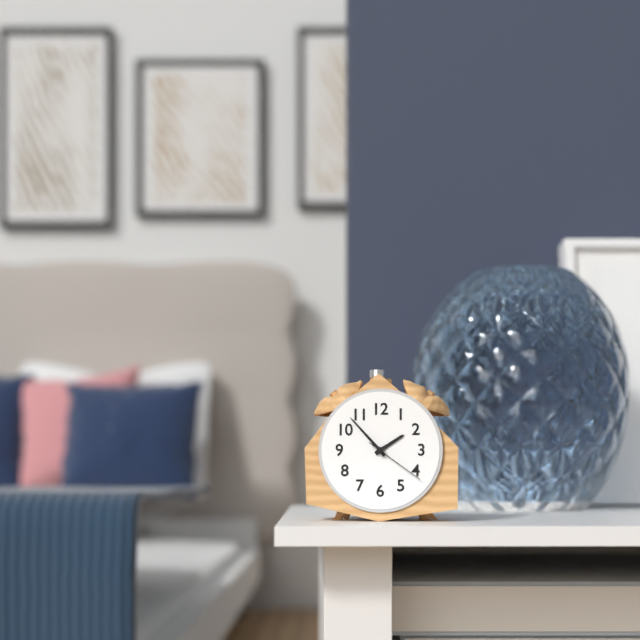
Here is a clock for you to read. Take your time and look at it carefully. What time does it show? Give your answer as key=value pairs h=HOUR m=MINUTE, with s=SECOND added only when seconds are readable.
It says h=1 m=53 s=21
